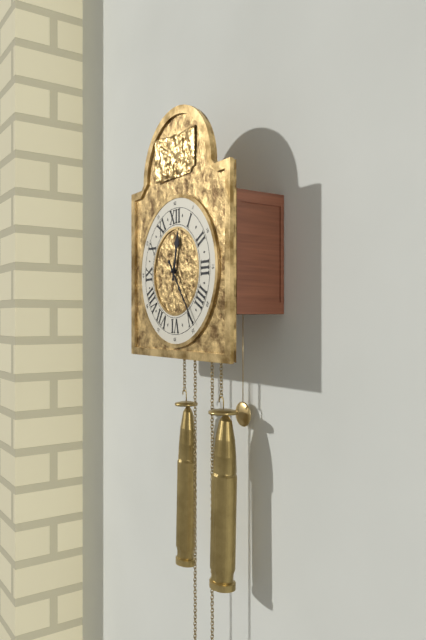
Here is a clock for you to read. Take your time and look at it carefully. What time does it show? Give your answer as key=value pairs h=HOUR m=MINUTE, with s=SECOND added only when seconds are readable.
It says h=12 m=24
